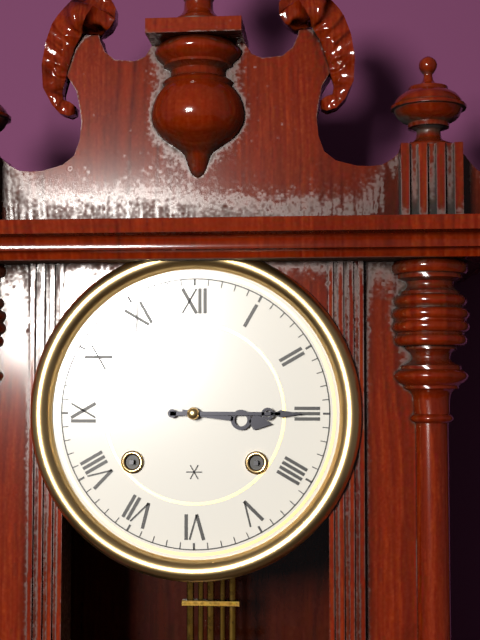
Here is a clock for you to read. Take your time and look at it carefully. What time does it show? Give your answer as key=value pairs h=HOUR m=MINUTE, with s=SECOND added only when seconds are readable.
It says h=3 m=15
